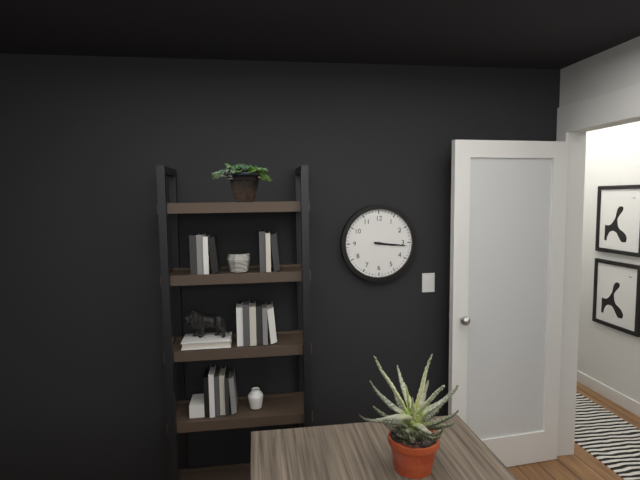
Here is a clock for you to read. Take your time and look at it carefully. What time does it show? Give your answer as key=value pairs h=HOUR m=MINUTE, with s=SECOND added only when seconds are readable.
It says h=3 m=16
